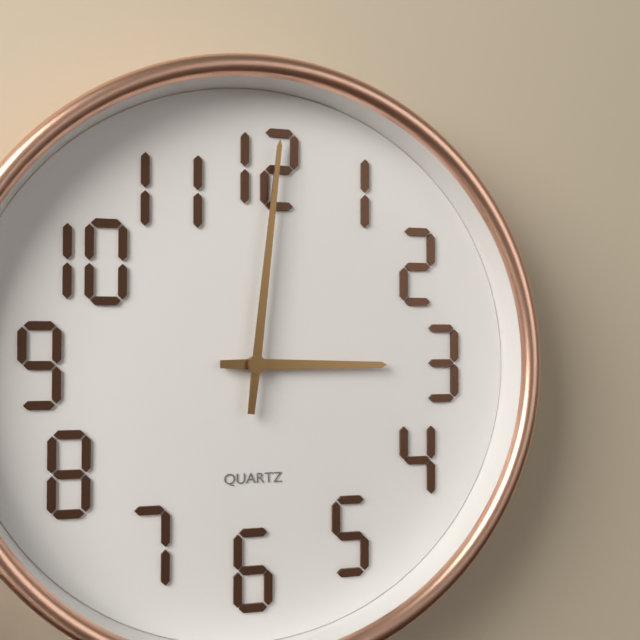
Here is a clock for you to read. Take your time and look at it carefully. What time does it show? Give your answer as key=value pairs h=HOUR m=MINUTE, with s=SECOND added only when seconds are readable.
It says h=3 m=1
